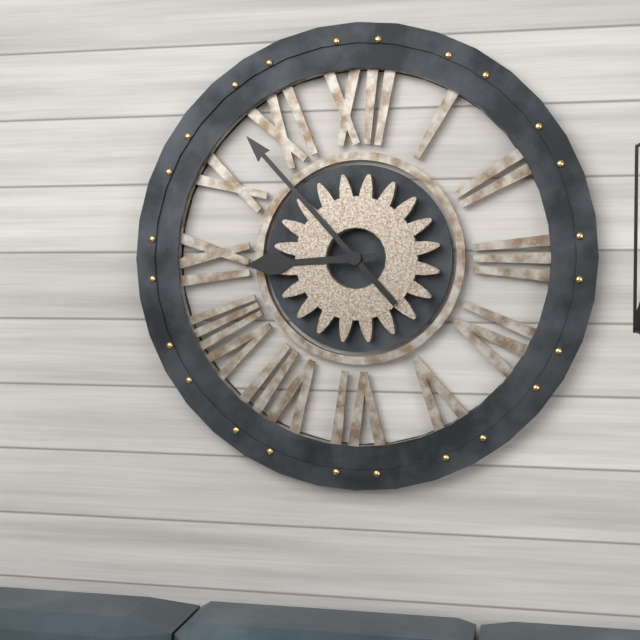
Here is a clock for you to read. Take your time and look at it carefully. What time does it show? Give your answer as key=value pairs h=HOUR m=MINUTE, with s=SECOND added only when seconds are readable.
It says h=8 m=53
